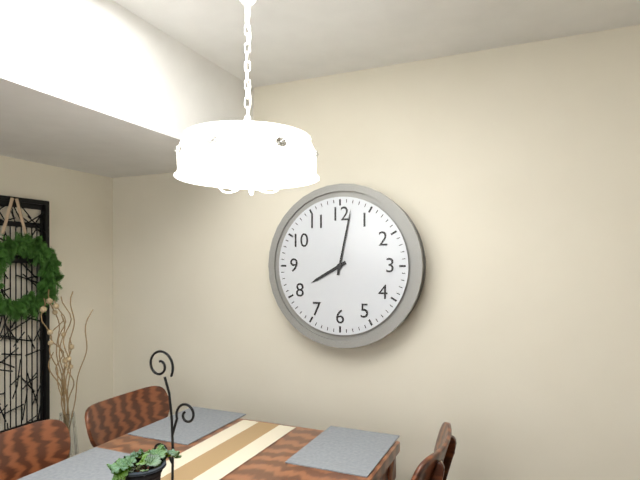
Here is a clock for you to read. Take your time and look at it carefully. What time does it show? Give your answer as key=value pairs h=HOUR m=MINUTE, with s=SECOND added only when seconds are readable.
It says h=8 m=2
